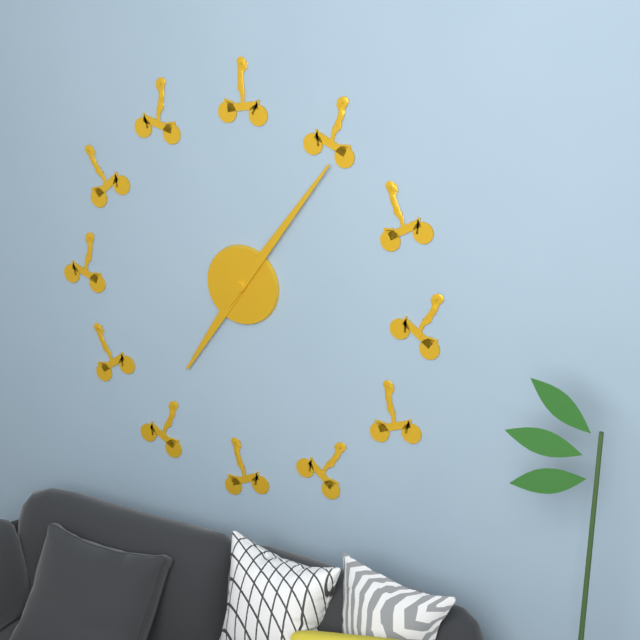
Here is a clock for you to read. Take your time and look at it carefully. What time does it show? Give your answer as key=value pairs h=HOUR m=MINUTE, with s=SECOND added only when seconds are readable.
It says h=7 m=6
